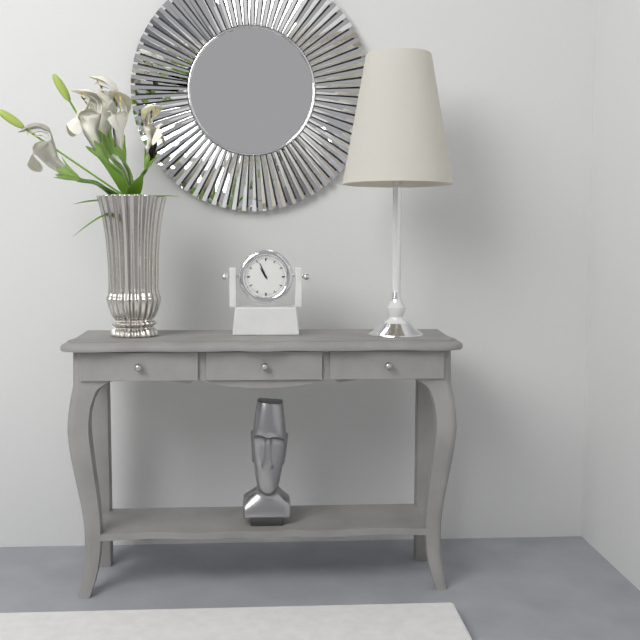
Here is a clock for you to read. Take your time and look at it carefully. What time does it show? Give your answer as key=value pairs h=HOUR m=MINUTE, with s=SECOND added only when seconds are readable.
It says h=10 m=56
